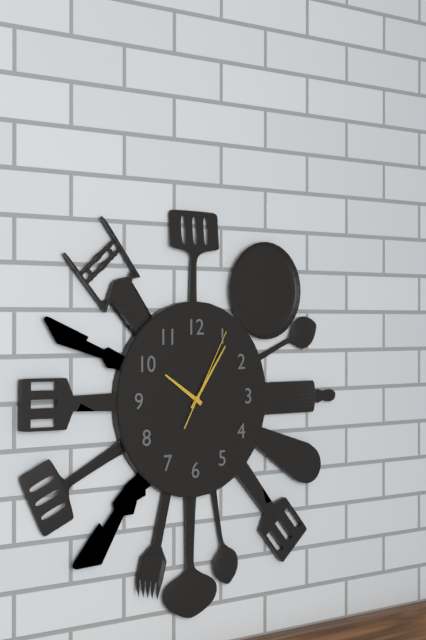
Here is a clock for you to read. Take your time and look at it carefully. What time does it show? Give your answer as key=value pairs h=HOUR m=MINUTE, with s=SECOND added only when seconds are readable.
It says h=10 m=6 s=5
